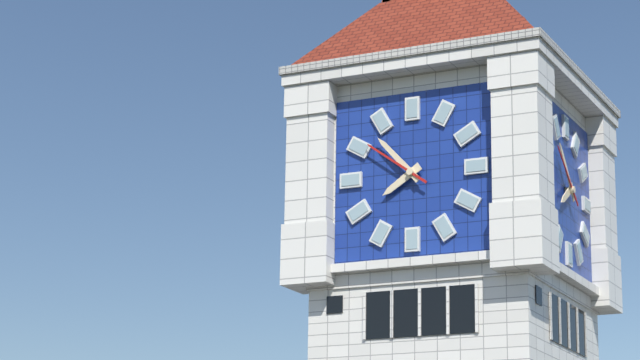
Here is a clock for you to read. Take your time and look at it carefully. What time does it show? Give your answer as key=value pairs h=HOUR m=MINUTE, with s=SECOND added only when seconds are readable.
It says h=7 m=53 s=51
